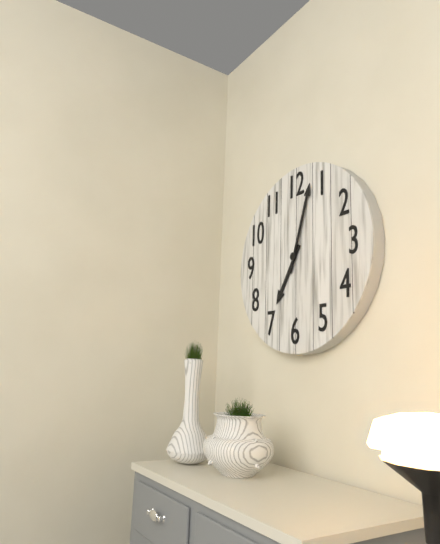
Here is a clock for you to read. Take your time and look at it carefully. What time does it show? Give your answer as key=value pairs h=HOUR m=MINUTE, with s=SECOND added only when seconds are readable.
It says h=7 m=3
